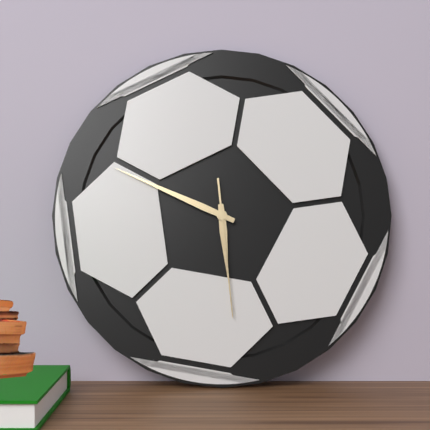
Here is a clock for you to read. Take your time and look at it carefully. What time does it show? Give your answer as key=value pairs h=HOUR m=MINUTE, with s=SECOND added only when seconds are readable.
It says h=5 m=49 s=29
